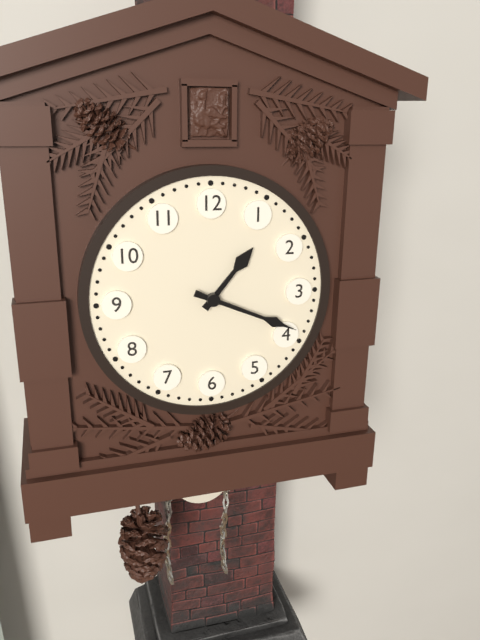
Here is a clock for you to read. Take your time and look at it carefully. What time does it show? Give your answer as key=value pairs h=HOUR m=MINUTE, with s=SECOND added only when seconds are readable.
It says h=1 m=19
